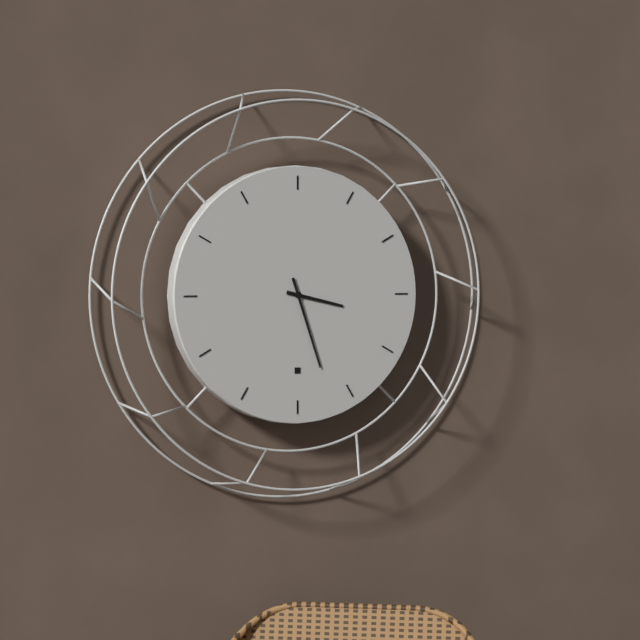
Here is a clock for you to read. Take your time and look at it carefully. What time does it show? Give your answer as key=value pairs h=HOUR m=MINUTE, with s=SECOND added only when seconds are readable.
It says h=3 m=27
